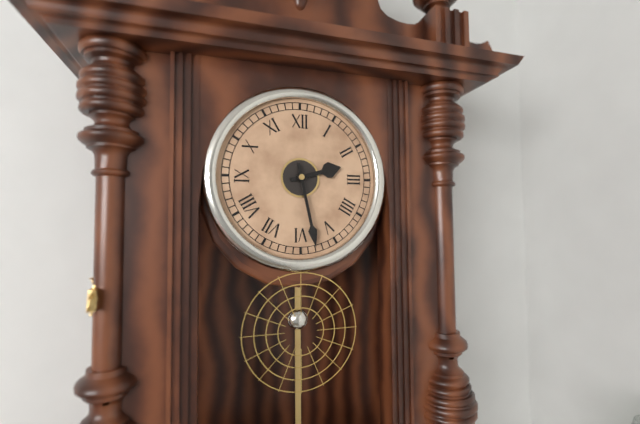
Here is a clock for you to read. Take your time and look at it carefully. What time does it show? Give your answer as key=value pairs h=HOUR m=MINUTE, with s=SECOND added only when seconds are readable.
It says h=2 m=28
